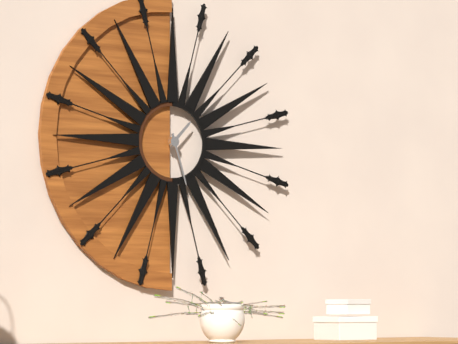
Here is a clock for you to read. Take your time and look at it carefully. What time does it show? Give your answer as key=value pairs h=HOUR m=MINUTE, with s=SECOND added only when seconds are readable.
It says h=1 m=27
